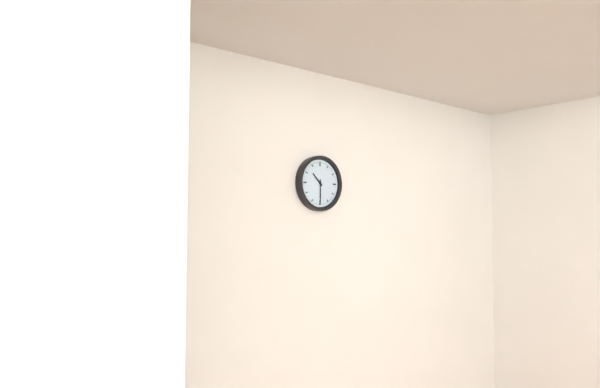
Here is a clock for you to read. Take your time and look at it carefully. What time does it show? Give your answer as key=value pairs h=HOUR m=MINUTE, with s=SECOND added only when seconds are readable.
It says h=10 m=30
